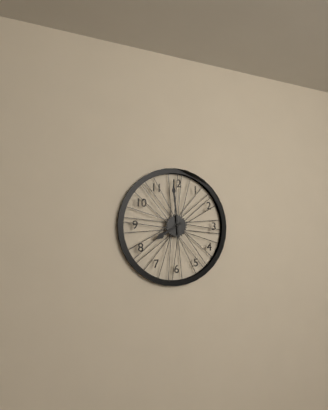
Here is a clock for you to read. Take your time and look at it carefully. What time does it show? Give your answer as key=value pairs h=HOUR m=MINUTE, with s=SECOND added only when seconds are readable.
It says h=7 m=59
